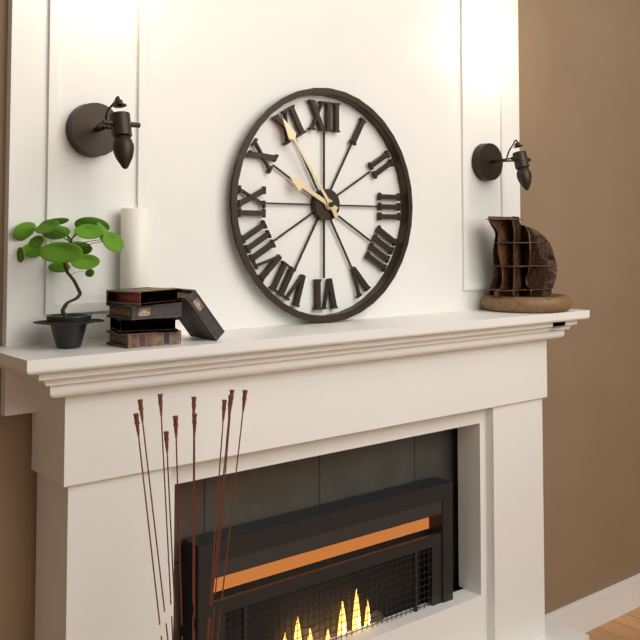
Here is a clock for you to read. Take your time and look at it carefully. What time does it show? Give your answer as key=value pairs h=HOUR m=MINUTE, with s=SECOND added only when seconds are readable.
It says h=9 m=54
